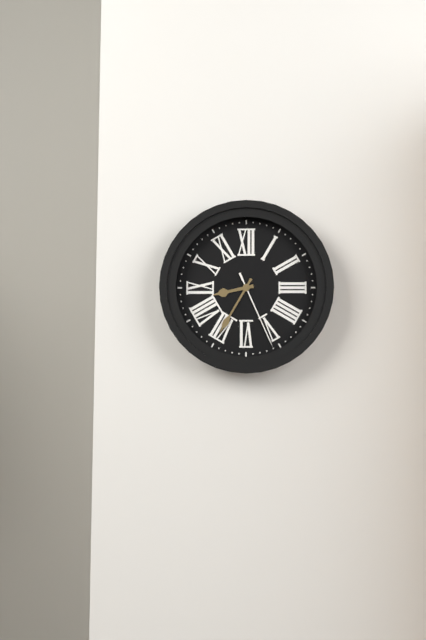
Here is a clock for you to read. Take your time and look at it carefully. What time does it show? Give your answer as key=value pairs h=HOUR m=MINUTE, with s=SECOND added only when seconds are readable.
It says h=8 m=35 s=26
